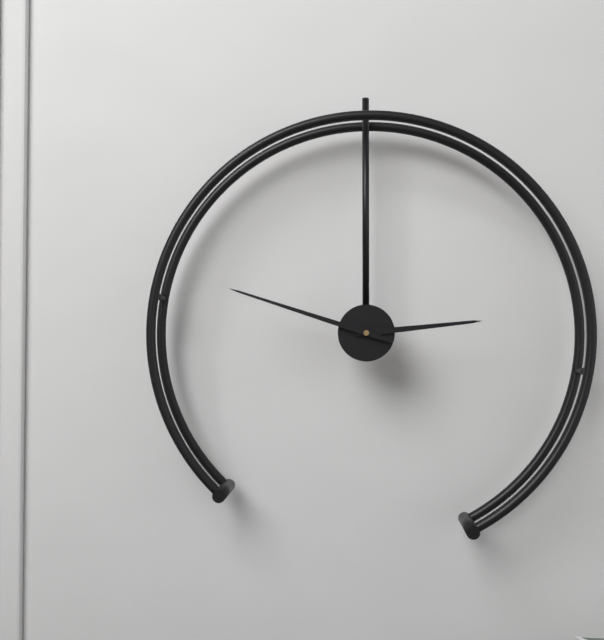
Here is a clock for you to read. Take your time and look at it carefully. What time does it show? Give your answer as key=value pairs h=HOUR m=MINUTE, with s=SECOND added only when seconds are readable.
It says h=2 m=48
